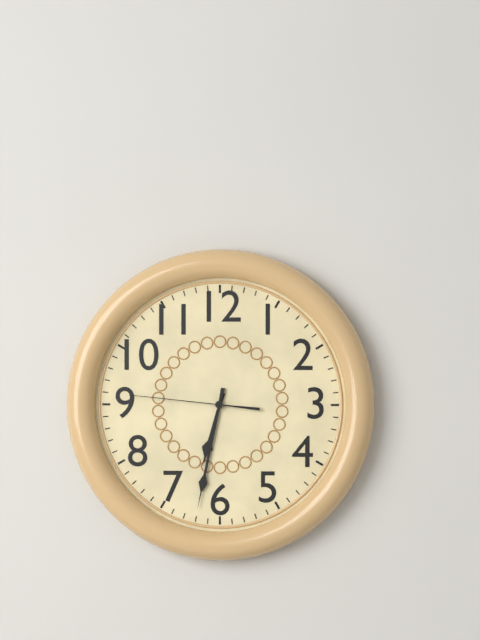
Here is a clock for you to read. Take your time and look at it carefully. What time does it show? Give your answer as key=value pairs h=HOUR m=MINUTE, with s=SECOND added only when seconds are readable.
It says h=6 m=32 s=46
